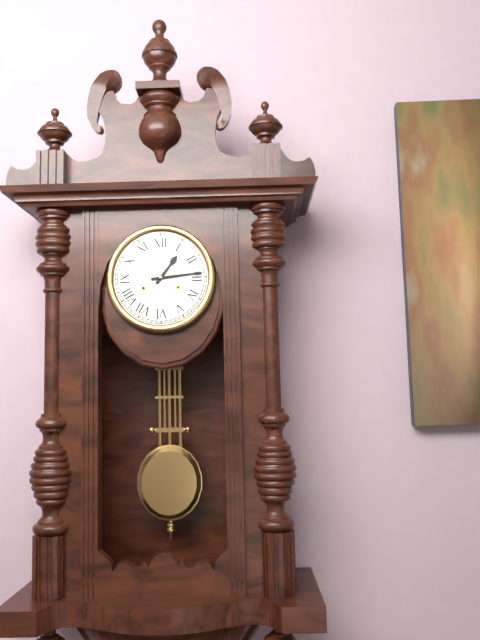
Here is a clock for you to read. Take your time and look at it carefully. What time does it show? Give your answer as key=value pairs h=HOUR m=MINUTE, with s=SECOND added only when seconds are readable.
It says h=1 m=14
